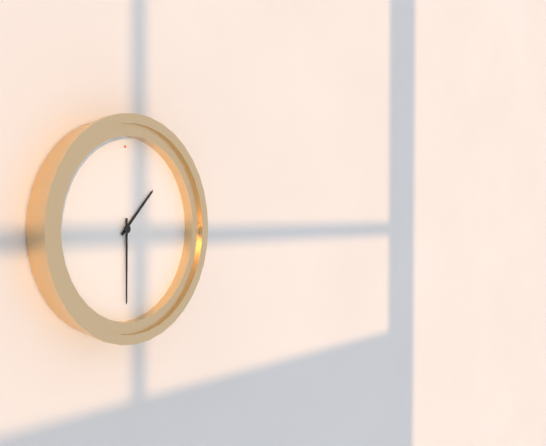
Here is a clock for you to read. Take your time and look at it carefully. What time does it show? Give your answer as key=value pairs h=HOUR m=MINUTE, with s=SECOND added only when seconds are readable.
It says h=1 m=30
